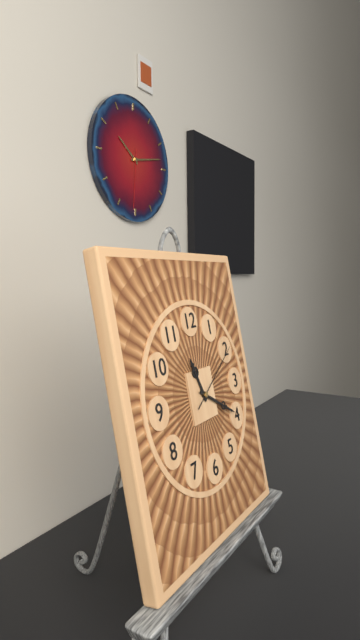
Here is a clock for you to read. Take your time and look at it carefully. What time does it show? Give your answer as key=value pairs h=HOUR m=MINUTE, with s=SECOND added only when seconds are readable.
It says h=11 m=20 s=10
